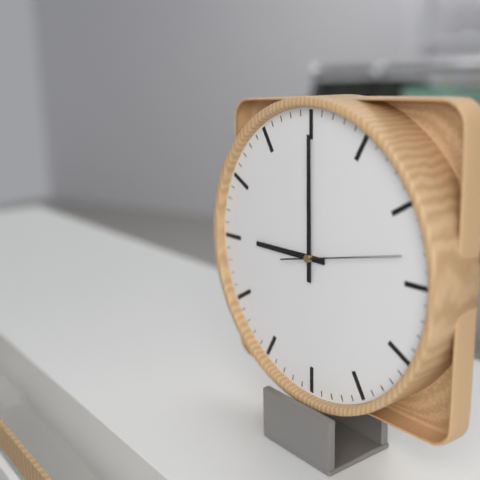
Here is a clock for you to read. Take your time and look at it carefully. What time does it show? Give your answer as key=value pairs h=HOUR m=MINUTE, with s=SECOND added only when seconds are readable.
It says h=9 m=0 s=13
